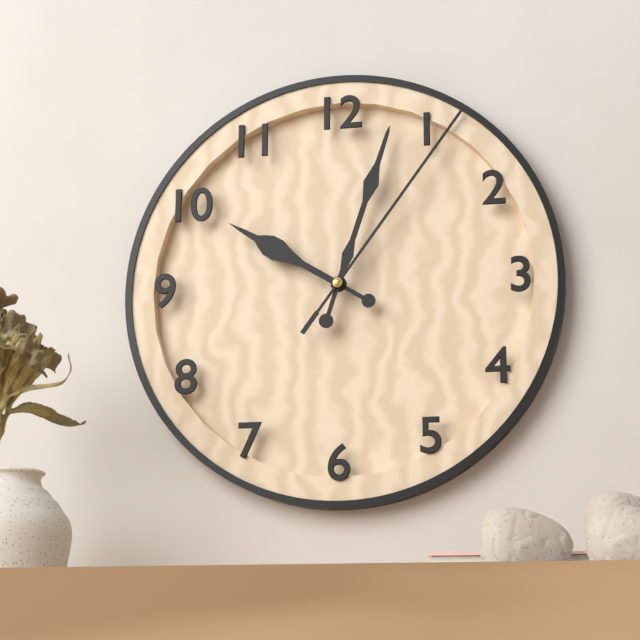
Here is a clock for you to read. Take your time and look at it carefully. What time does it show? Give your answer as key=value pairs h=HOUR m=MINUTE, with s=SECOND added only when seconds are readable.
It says h=10 m=3 s=6
